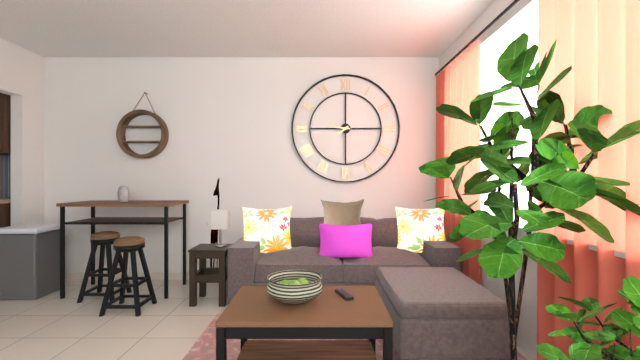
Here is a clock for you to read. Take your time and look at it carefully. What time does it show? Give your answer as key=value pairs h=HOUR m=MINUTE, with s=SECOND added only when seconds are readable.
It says h=7 m=46
